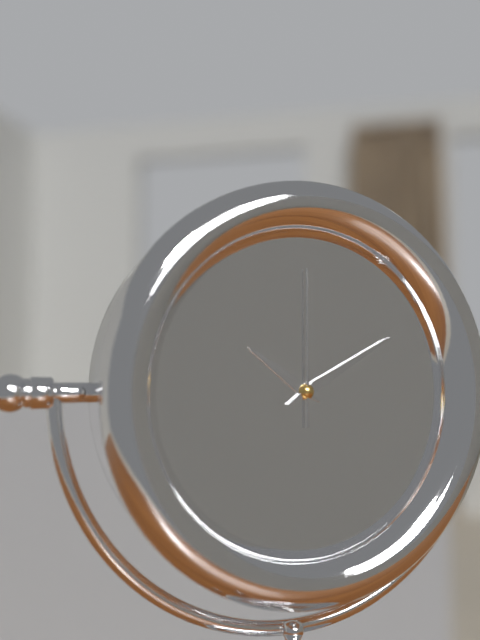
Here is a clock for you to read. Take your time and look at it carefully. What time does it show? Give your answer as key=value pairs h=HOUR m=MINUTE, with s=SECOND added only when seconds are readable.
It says h=10 m=10 s=0
